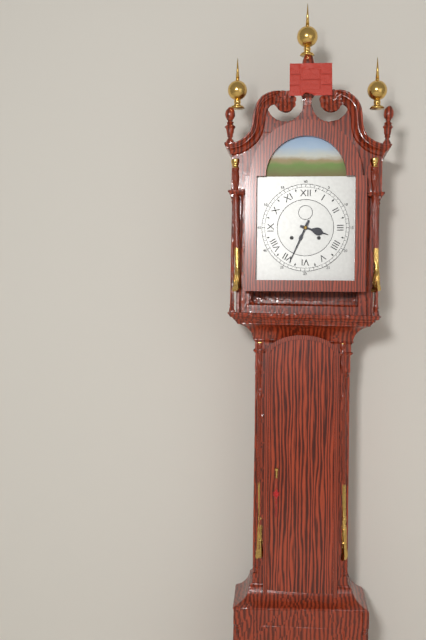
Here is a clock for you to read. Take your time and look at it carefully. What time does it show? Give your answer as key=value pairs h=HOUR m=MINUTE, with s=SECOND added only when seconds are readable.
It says h=3 m=34
